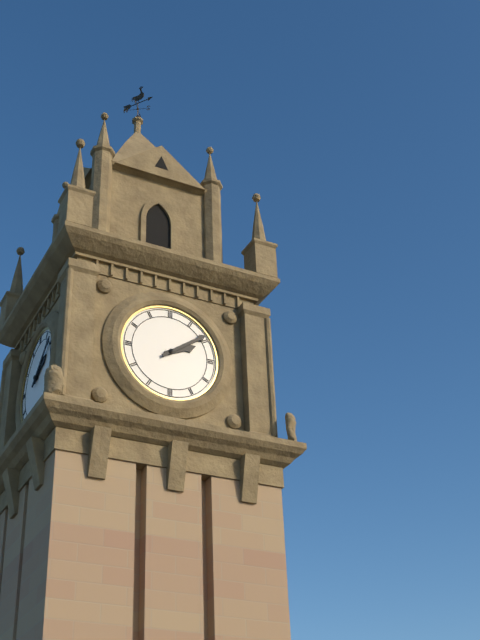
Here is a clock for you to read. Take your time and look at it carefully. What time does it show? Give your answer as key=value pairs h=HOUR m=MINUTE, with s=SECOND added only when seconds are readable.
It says h=2 m=9
